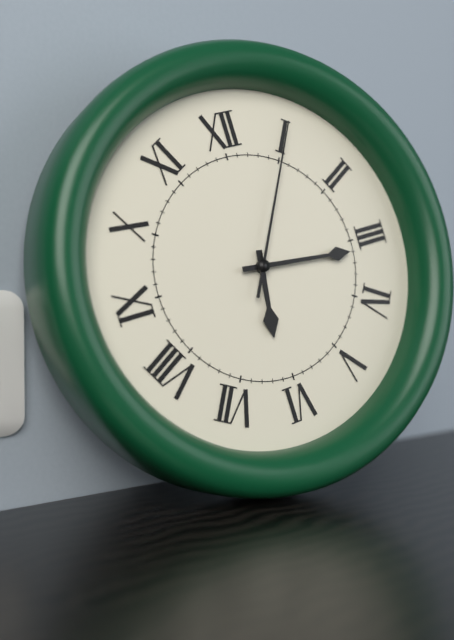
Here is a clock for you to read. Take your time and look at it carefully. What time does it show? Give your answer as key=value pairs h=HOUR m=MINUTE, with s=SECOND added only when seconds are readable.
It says h=6 m=16 s=5
